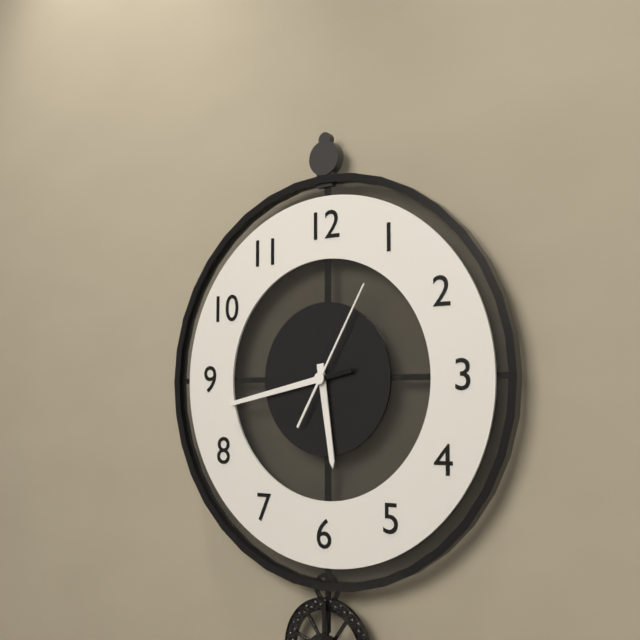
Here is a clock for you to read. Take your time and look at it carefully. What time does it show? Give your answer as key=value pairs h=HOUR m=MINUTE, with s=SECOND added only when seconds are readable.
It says h=5 m=43 s=5
